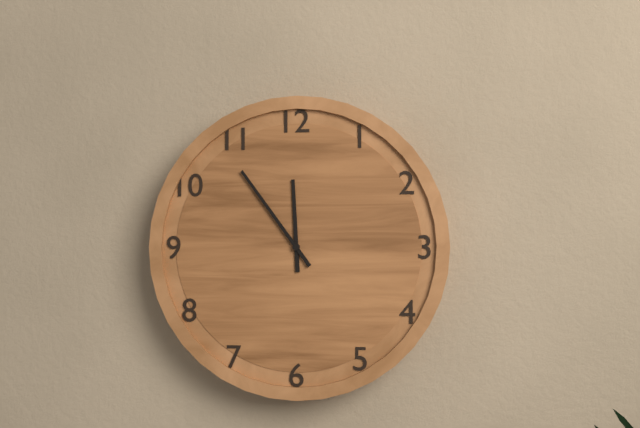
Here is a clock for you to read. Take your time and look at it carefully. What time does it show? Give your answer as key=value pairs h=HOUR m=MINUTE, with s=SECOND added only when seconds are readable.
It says h=11 m=54
